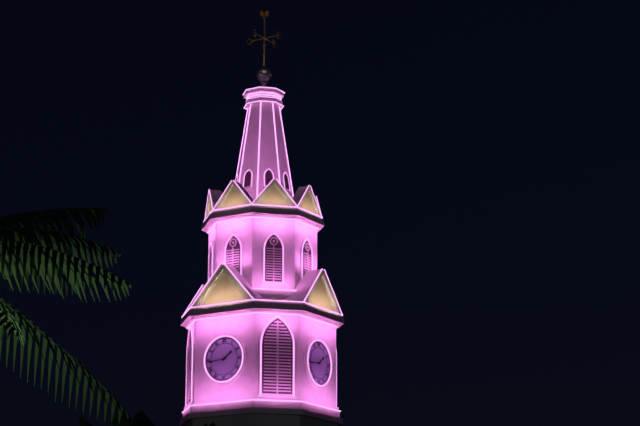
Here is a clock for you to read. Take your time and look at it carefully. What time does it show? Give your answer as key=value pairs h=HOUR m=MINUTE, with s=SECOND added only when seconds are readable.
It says h=1 m=44
